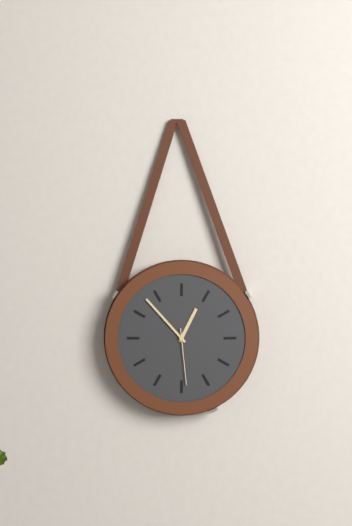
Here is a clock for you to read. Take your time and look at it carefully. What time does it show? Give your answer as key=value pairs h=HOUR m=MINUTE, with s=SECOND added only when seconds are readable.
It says h=12 m=53 s=29
